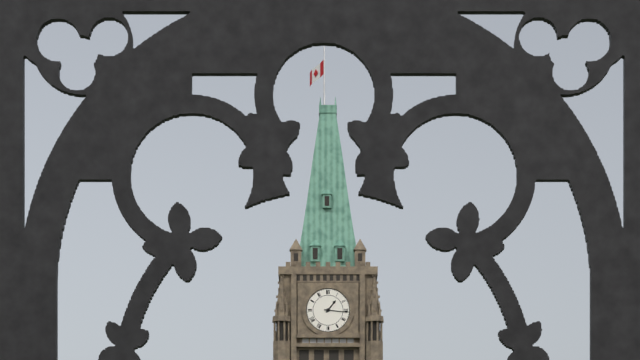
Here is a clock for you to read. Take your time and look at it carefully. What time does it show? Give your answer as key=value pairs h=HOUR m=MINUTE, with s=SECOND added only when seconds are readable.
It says h=1 m=16
